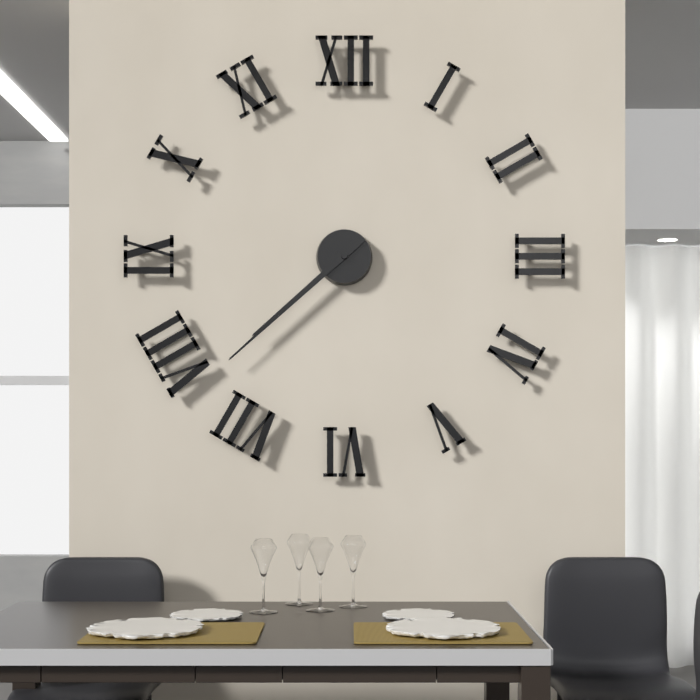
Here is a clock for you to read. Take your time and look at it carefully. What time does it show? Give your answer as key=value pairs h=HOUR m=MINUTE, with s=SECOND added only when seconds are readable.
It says h=7 m=38
